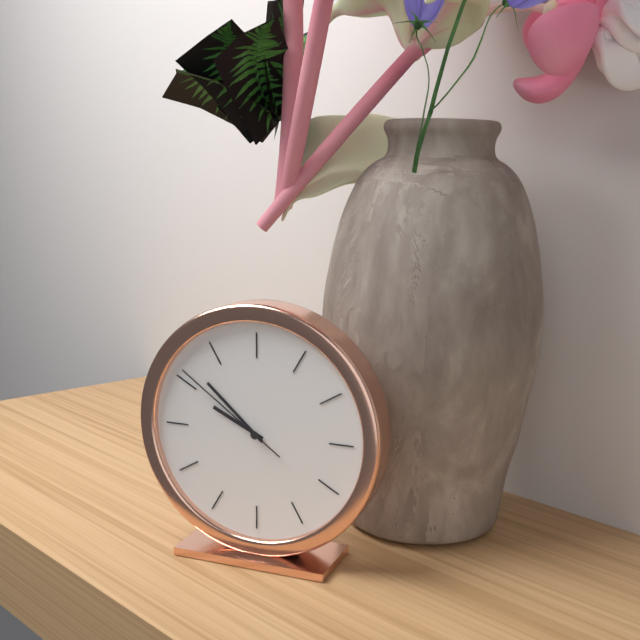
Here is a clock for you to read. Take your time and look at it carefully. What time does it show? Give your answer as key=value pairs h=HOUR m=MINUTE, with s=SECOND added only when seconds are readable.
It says h=9 m=52 s=51
